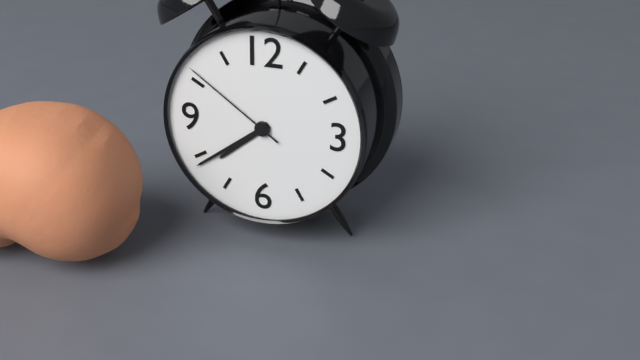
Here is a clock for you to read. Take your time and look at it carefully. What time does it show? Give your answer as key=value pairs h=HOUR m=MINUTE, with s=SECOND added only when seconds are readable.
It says h=7 m=39 s=51
